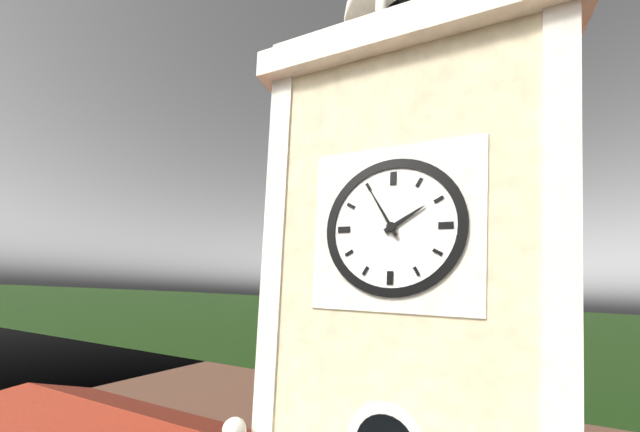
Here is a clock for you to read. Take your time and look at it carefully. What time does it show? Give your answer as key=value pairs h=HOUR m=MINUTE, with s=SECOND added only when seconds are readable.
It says h=1 m=55
